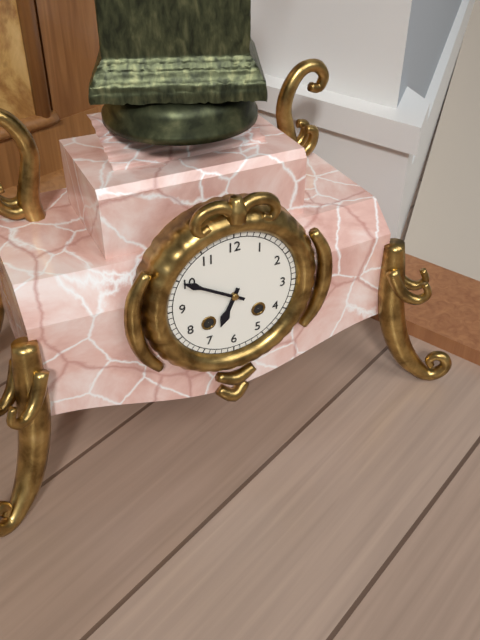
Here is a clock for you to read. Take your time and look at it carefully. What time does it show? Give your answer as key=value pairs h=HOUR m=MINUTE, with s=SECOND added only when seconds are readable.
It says h=6 m=50
